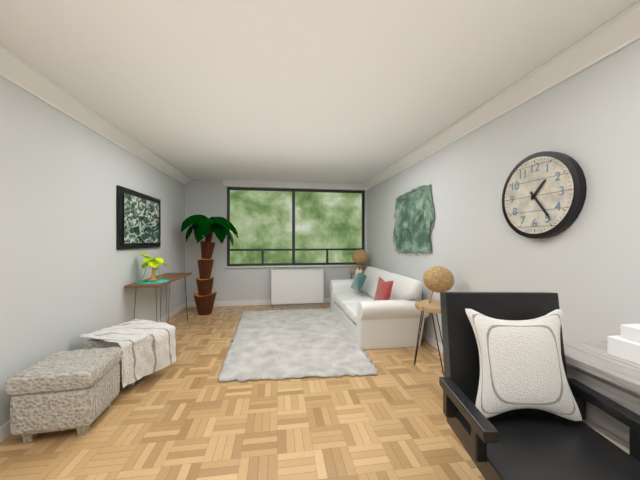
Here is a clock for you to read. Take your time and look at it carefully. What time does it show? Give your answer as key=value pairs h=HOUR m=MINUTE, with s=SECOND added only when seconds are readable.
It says h=1 m=24
